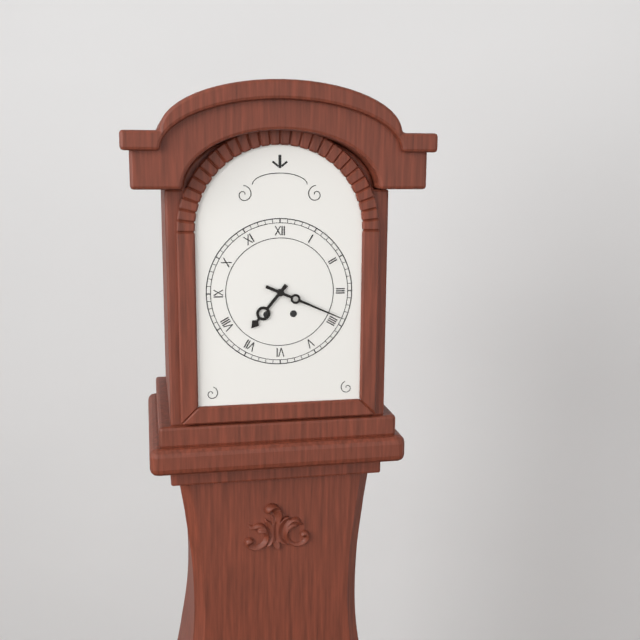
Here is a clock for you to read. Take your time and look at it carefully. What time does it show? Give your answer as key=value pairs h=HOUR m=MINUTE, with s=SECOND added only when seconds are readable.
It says h=7 m=19
